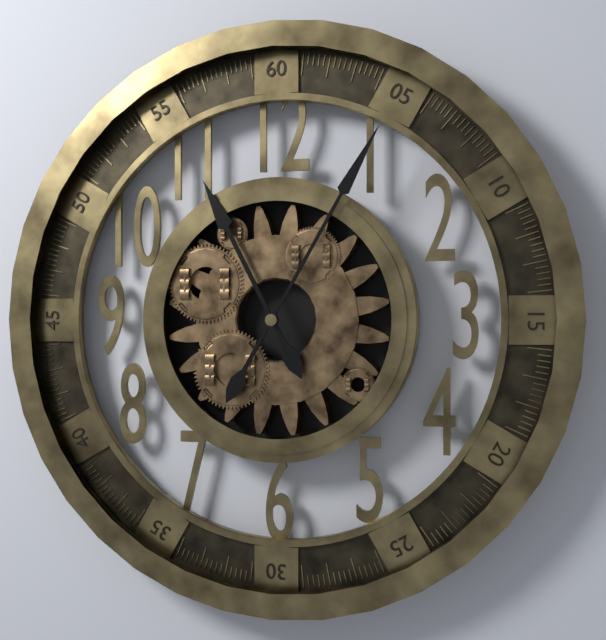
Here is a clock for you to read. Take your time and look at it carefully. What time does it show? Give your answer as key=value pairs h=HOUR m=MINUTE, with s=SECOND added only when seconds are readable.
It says h=11 m=5
